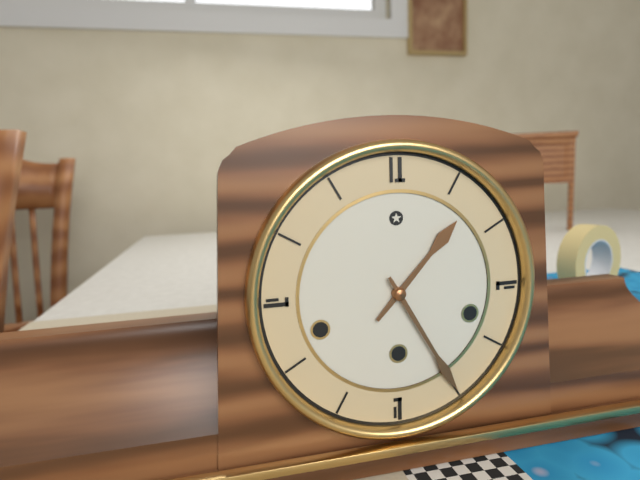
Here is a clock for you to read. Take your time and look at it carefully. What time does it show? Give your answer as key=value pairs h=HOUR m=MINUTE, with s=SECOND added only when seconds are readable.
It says h=1 m=25
